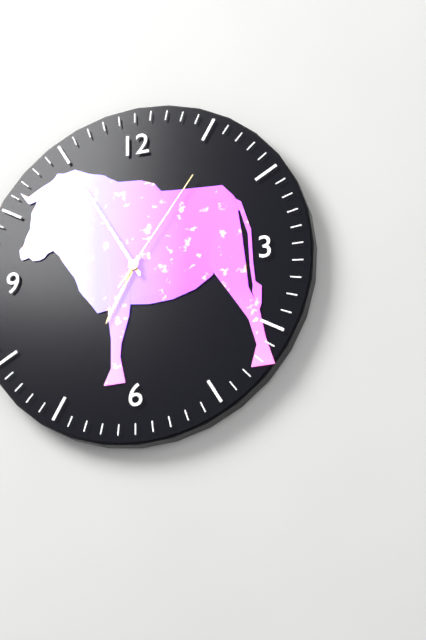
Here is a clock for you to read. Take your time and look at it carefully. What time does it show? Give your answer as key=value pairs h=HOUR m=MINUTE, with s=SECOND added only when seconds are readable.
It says h=6 m=55 s=6
